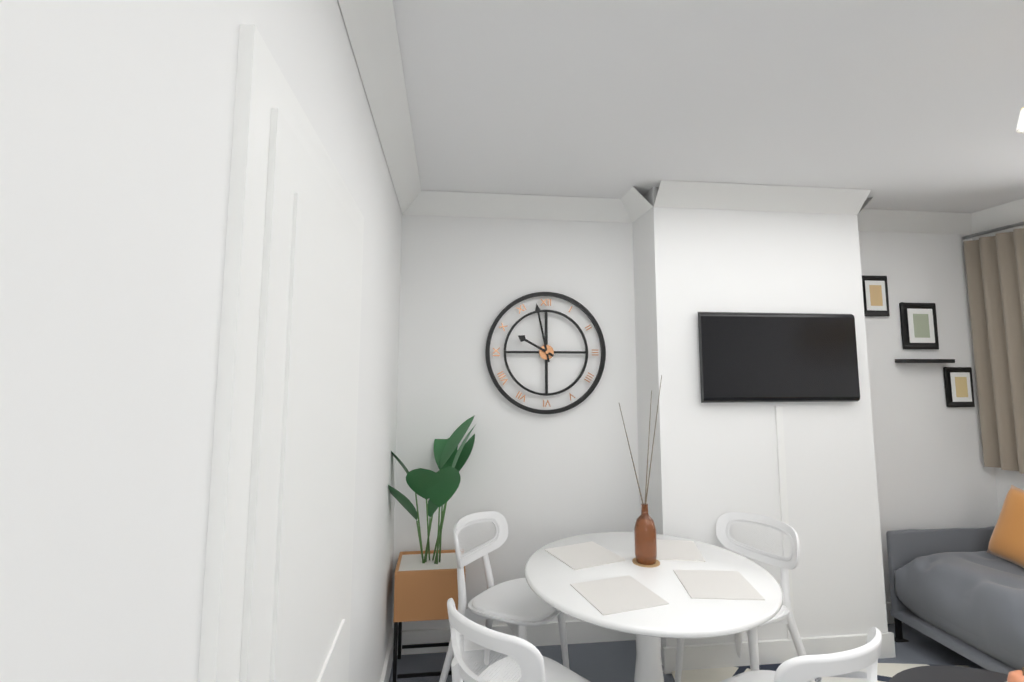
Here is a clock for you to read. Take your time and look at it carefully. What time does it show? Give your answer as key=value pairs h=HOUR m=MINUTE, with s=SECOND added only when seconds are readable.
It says h=9 m=58
